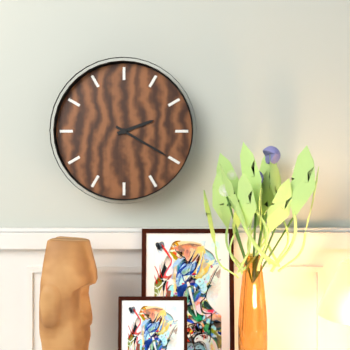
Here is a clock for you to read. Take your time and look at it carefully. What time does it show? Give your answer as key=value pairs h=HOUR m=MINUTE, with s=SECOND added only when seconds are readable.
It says h=2 m=20
